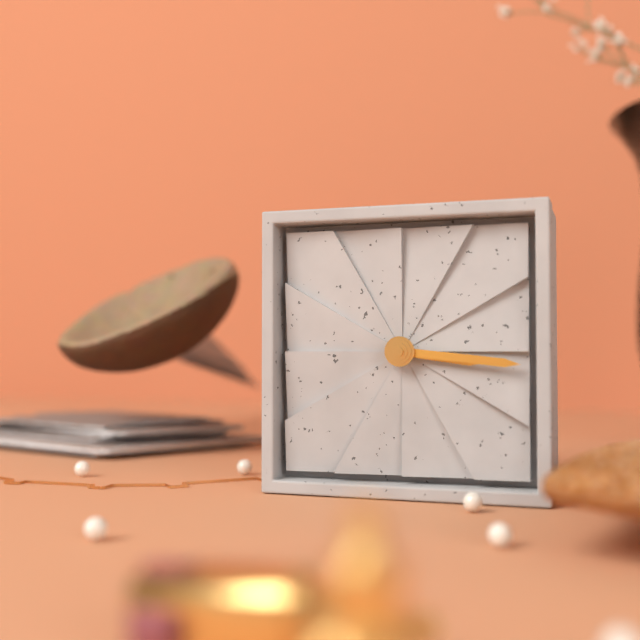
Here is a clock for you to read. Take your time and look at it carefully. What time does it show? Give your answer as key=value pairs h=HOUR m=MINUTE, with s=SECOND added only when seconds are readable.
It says h=3 m=16
